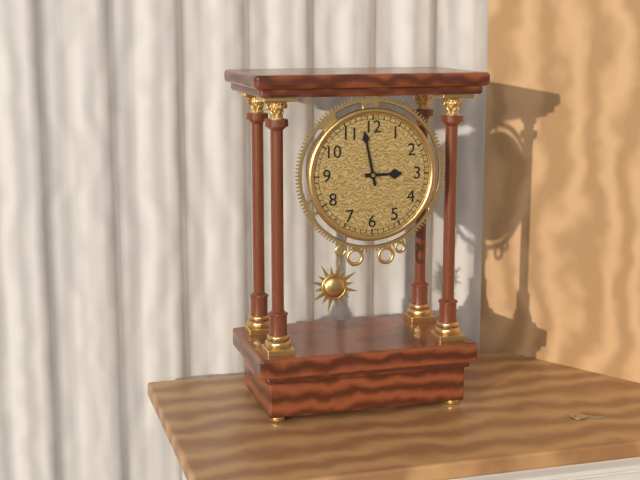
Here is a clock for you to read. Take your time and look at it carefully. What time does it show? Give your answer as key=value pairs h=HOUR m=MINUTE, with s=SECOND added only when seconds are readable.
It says h=2 m=58
